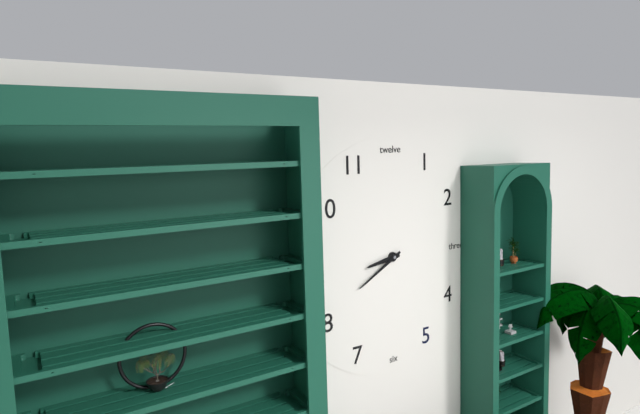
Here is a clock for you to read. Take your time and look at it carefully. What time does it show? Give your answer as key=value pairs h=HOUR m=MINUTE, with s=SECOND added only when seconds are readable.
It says h=8 m=40
